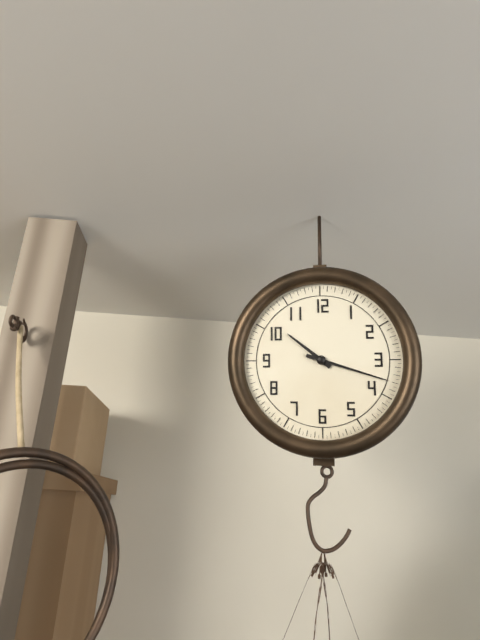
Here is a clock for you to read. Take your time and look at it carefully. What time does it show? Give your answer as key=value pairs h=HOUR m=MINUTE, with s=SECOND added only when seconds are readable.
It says h=10 m=18
